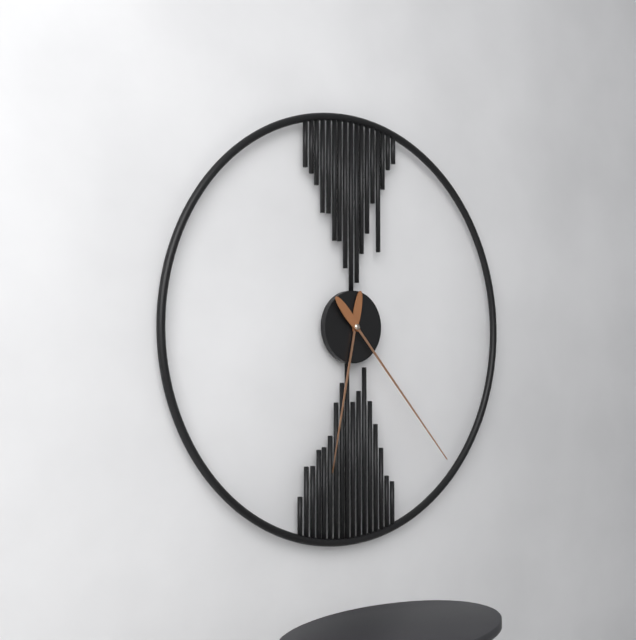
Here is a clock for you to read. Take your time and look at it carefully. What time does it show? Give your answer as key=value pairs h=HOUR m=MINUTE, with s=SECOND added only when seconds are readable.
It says h=6 m=23
